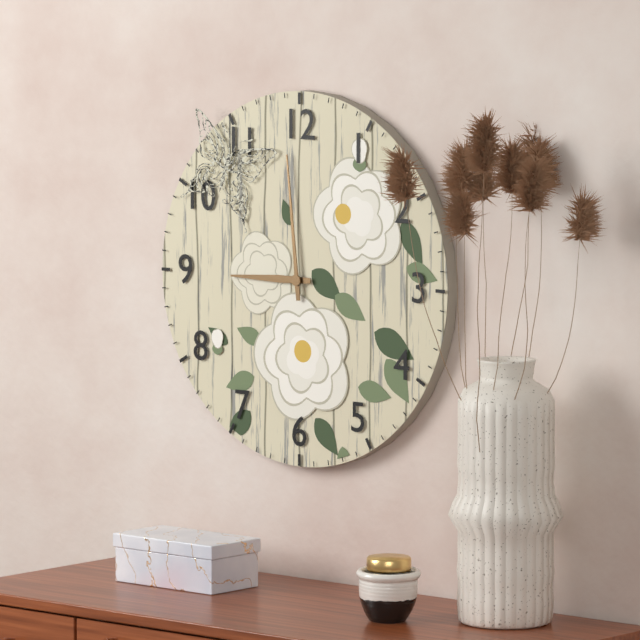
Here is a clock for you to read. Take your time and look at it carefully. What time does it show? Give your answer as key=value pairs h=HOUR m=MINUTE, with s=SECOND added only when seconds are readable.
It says h=8 m=59
